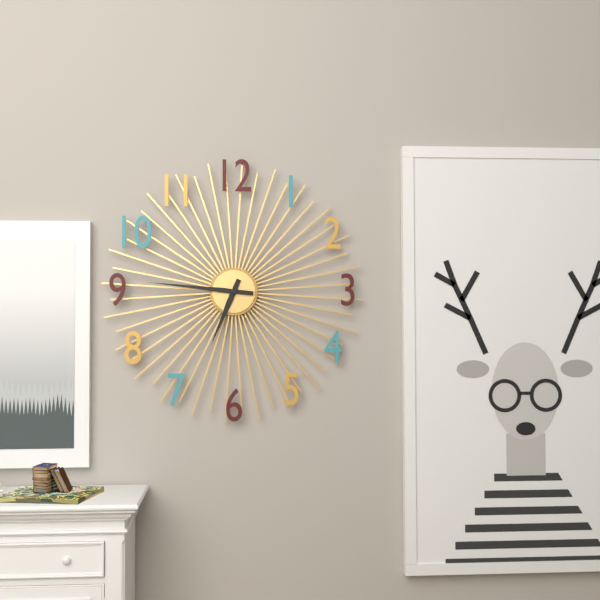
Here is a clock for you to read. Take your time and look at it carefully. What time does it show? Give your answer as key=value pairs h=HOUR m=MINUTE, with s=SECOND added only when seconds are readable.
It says h=6 m=46
